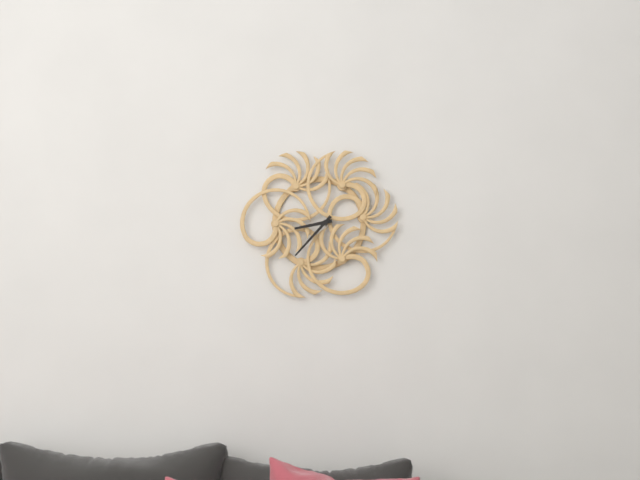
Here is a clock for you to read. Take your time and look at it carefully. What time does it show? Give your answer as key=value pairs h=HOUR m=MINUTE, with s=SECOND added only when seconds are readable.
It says h=8 m=37
